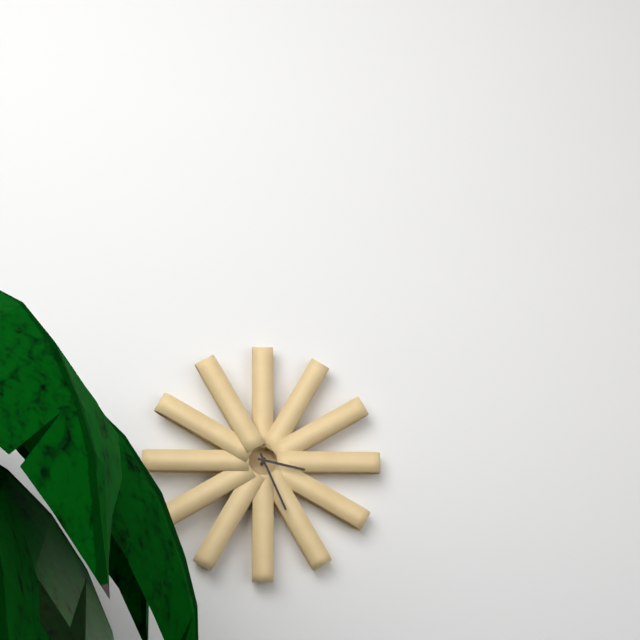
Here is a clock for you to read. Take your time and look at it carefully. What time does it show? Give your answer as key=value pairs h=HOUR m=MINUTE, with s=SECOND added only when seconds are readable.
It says h=3 m=26
